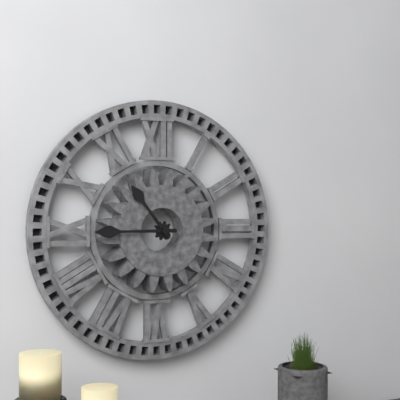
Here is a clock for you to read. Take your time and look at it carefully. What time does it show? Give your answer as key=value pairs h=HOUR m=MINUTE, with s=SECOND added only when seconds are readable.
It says h=10 m=45
